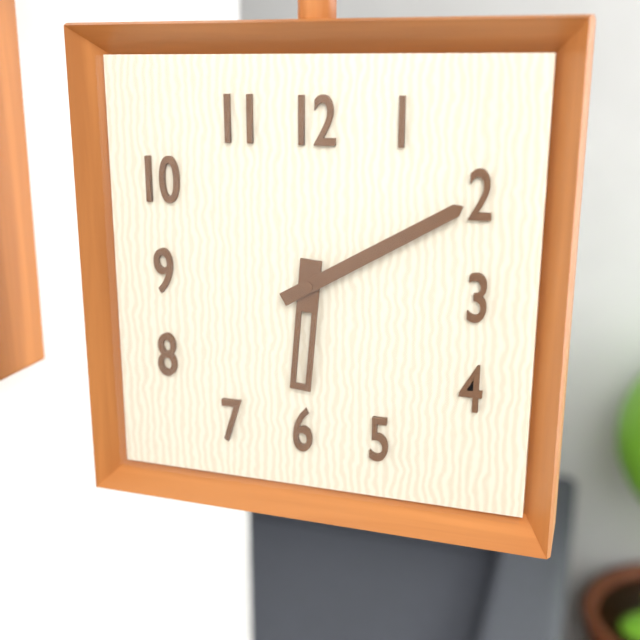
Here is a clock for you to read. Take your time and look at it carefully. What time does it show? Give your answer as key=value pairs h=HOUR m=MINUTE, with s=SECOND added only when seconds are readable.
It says h=6 m=10
